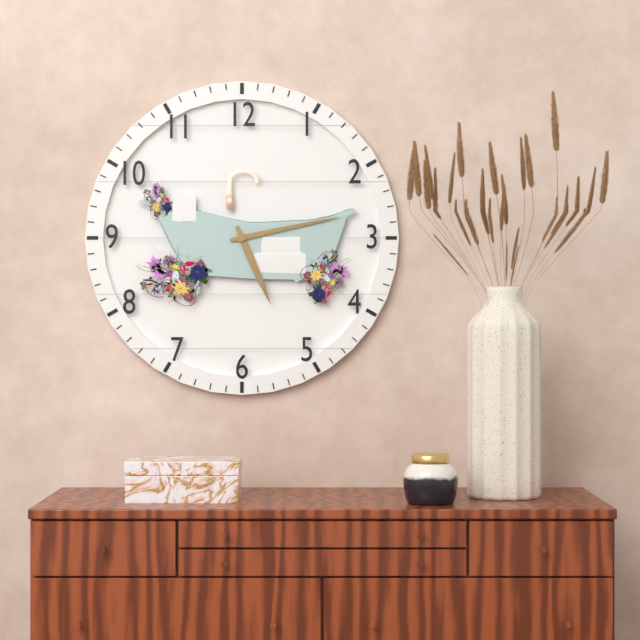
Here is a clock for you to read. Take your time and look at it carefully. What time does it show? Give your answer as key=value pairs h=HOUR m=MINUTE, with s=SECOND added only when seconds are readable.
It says h=5 m=13
